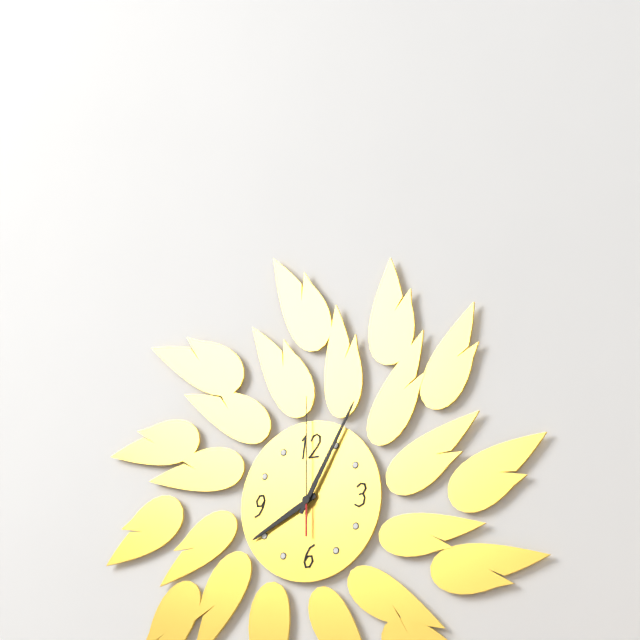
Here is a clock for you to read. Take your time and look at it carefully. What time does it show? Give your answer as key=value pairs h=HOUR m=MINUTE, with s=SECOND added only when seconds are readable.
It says h=8 m=5 s=0
